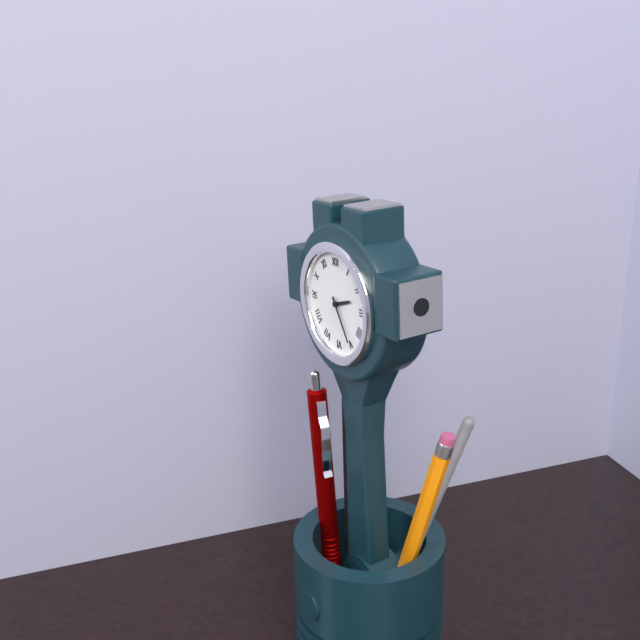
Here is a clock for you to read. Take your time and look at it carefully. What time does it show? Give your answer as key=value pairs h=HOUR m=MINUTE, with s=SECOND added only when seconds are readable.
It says h=2 m=25
